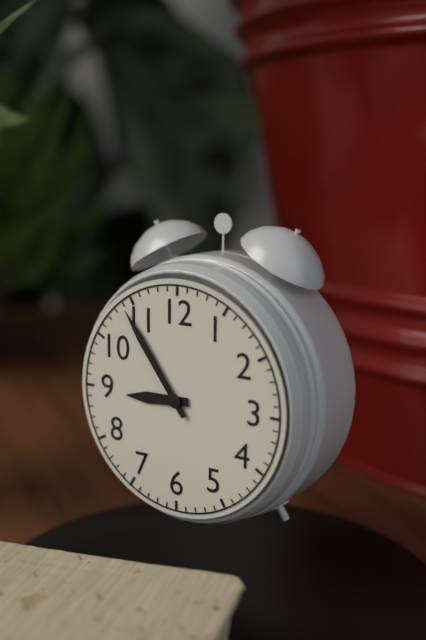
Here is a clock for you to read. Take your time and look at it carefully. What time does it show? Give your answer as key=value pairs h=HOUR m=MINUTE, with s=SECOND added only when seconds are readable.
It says h=8 m=54
